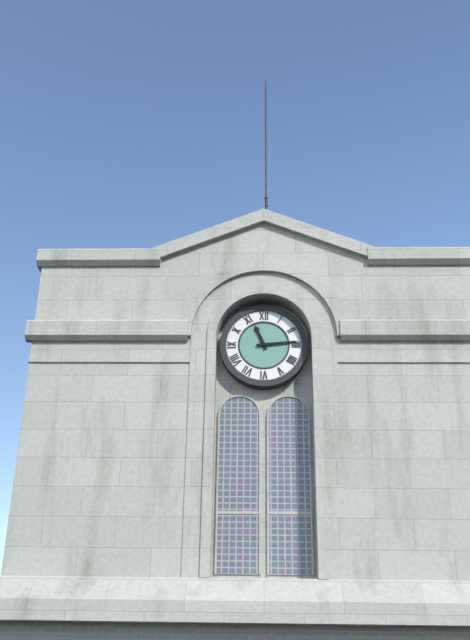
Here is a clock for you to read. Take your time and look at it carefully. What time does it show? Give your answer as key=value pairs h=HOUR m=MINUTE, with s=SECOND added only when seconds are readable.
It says h=11 m=14
